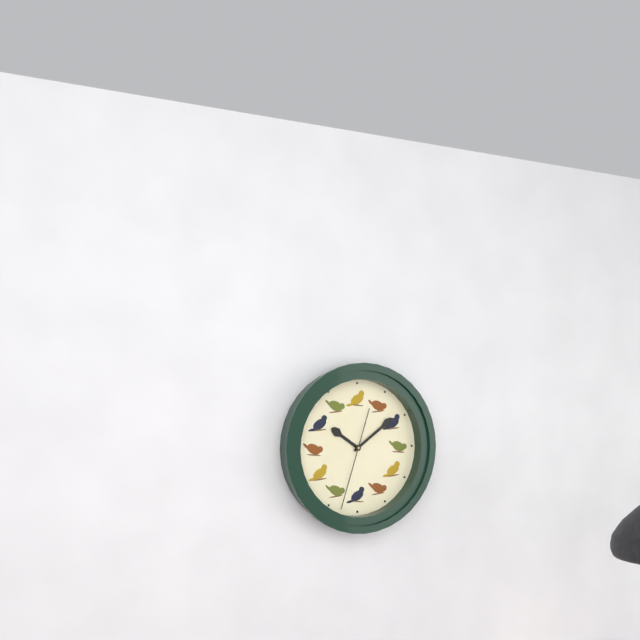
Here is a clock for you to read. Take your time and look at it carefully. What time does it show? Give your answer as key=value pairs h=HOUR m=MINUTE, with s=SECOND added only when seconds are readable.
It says h=10 m=9 s=33
